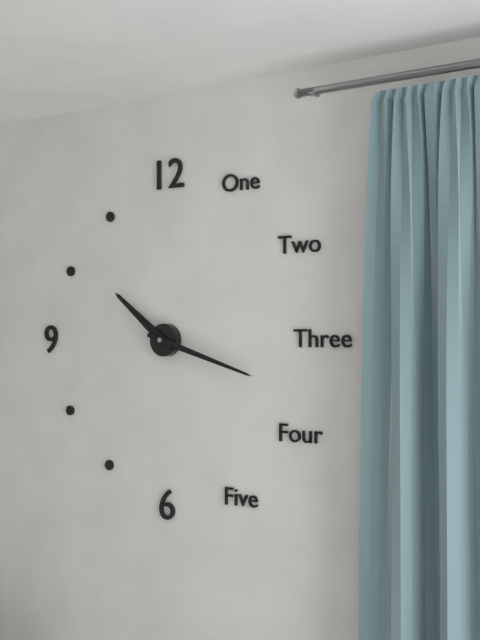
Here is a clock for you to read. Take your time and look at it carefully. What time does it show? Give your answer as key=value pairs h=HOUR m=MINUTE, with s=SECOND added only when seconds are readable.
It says h=10 m=18
